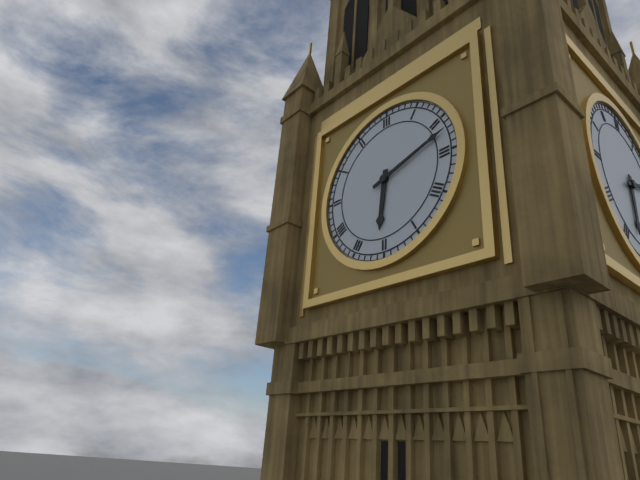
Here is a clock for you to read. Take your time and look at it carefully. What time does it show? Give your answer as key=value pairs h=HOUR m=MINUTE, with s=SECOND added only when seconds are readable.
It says h=6 m=12
